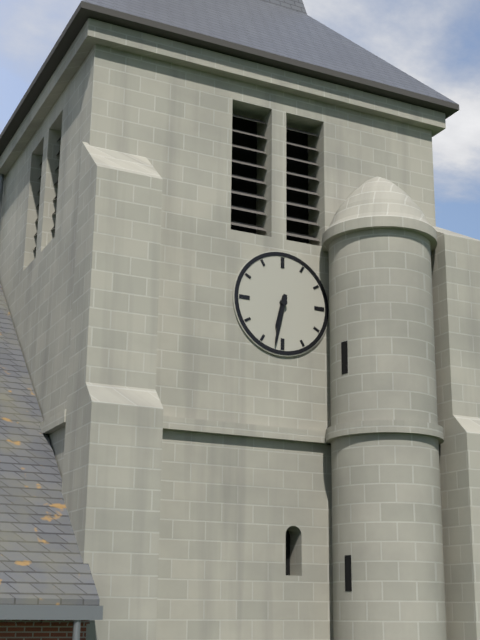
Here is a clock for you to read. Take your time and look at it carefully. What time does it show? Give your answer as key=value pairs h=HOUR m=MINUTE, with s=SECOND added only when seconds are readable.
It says h=6 m=32
